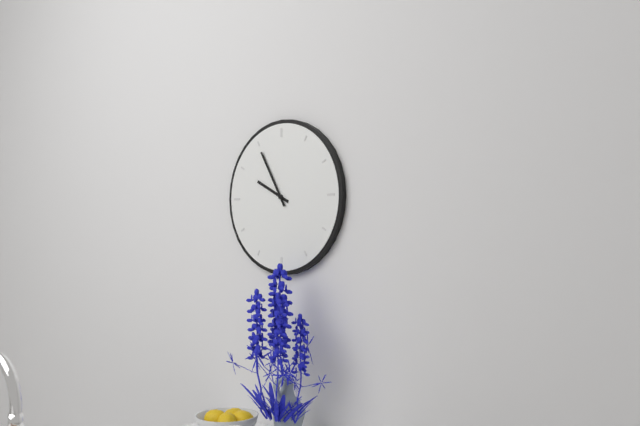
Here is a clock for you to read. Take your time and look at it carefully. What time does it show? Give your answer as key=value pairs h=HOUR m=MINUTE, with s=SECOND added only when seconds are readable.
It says h=9 m=55
